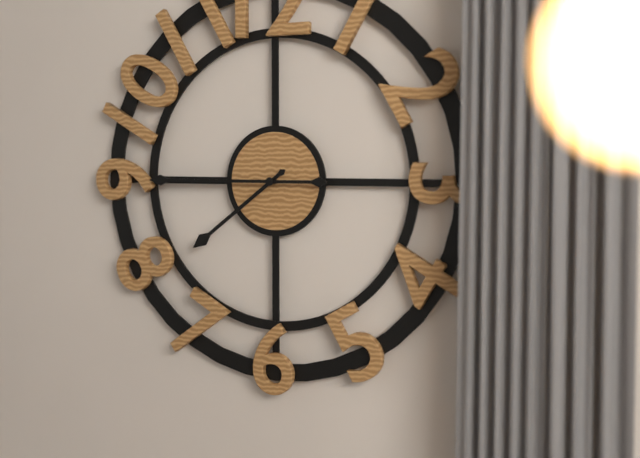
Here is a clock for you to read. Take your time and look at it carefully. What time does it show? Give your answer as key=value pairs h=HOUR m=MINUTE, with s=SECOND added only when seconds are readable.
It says h=7 m=45
